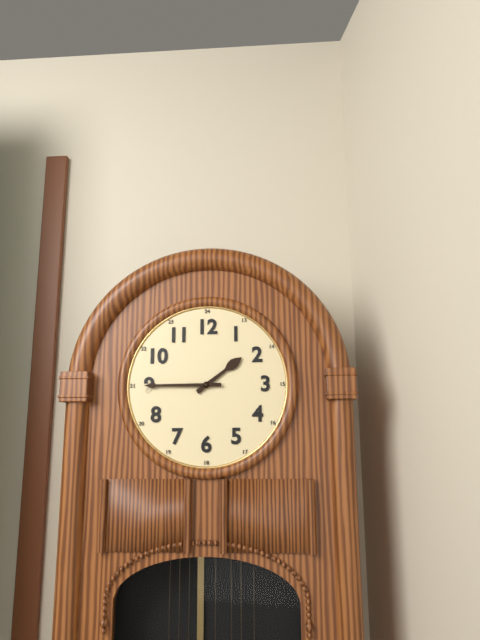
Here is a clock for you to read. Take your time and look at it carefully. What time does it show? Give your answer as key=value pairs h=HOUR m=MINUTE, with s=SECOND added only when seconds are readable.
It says h=1 m=45
